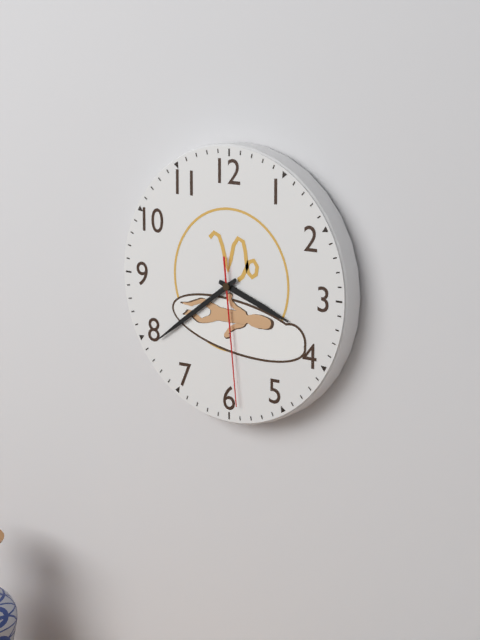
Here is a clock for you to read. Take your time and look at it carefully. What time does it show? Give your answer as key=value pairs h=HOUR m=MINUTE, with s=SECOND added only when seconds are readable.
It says h=3 m=39 s=29
